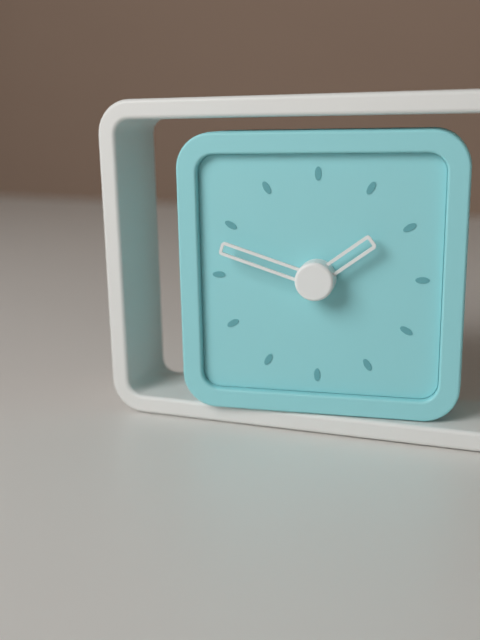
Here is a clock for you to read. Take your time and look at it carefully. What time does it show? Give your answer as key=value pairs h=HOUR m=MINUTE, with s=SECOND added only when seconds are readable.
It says h=1 m=48
